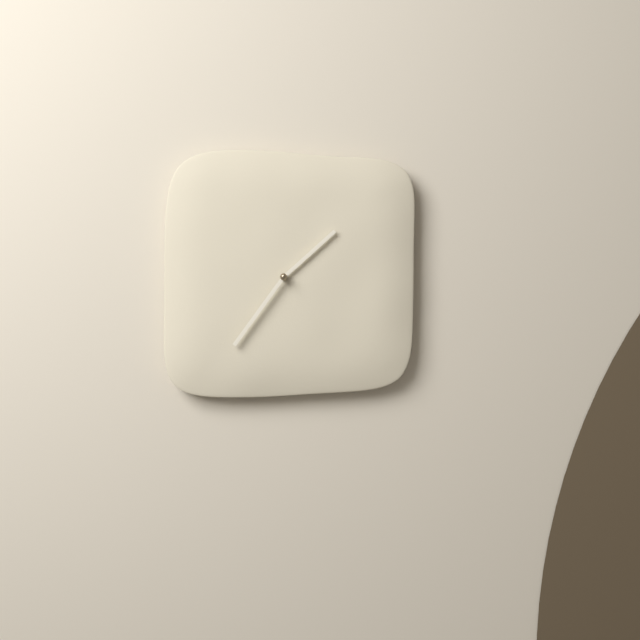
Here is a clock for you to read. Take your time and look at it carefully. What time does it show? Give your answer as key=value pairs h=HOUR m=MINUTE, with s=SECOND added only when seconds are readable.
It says h=1 m=36
